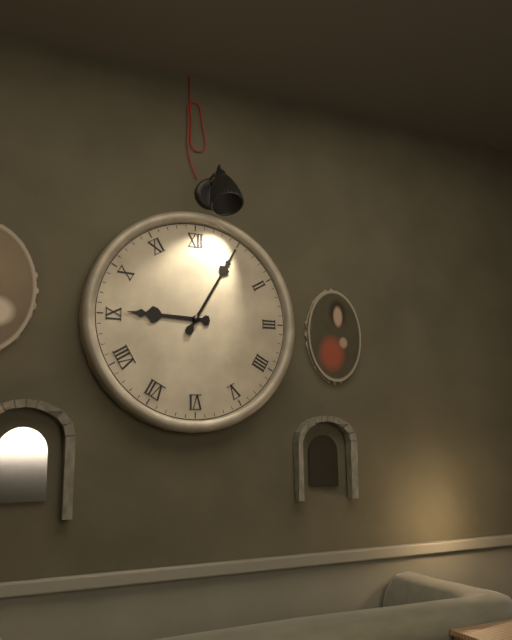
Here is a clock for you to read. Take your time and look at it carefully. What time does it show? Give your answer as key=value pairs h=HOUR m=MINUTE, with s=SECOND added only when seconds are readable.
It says h=9 m=5
